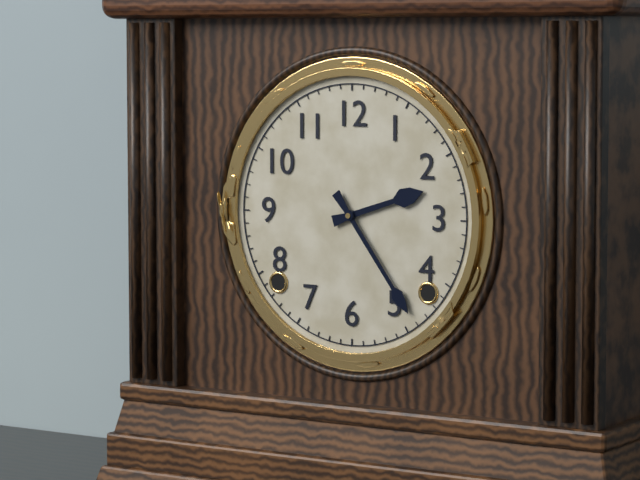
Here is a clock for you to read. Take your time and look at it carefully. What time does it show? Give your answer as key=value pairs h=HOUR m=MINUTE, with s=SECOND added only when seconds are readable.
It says h=2 m=24
